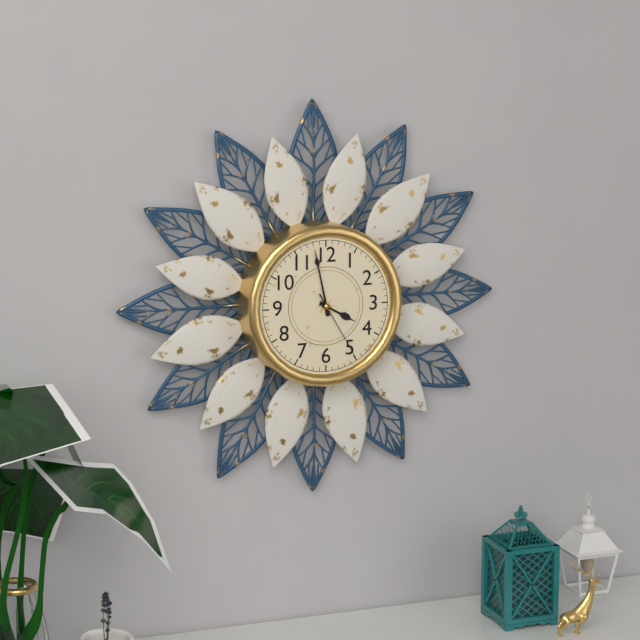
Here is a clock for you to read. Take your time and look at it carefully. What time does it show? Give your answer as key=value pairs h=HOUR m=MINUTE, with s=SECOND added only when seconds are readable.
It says h=3 m=58 s=25
